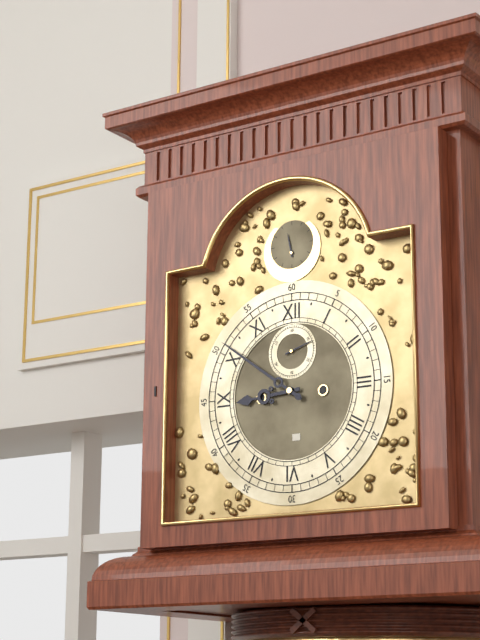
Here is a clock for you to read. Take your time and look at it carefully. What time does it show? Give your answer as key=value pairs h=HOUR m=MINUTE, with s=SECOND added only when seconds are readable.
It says h=8 m=51
